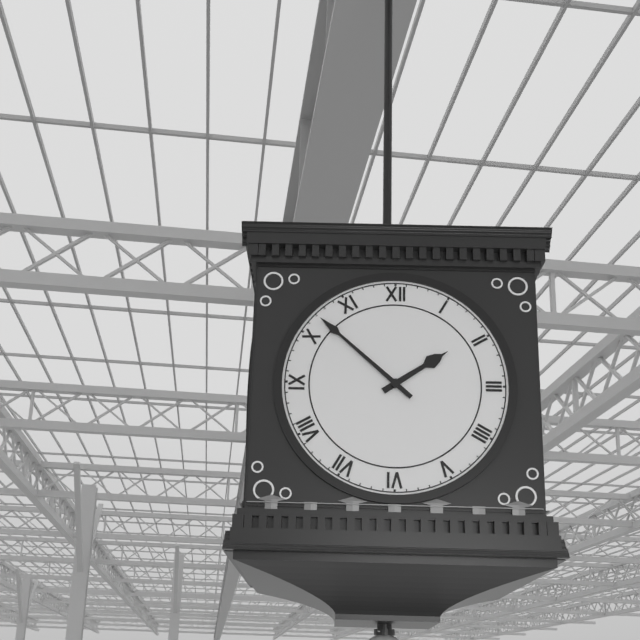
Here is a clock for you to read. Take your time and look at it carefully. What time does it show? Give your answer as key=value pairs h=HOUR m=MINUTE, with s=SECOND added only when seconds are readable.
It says h=1 m=52
